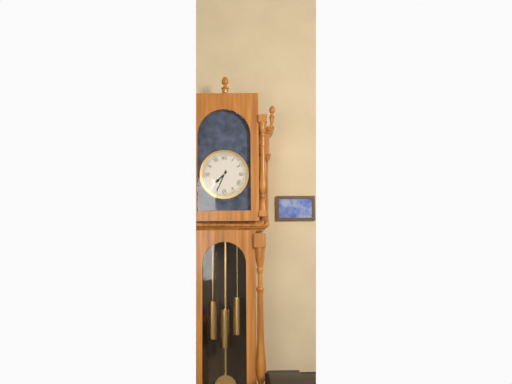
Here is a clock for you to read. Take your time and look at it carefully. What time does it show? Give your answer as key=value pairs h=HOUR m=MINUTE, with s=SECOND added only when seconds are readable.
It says h=7 m=34
